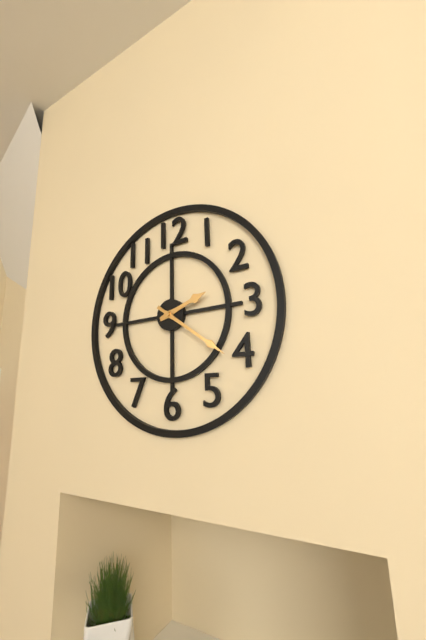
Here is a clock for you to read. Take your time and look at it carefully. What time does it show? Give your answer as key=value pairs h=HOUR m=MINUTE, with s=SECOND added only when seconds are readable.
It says h=2 m=21
